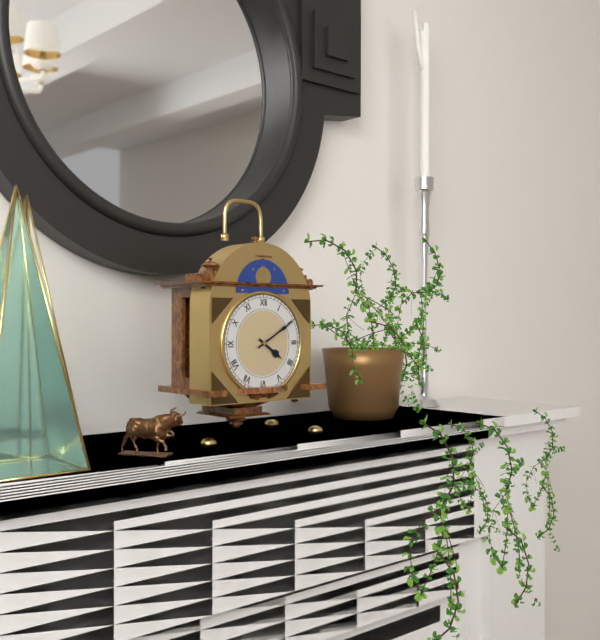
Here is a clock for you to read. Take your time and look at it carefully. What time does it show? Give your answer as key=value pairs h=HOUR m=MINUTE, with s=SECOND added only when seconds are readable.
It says h=4 m=10
